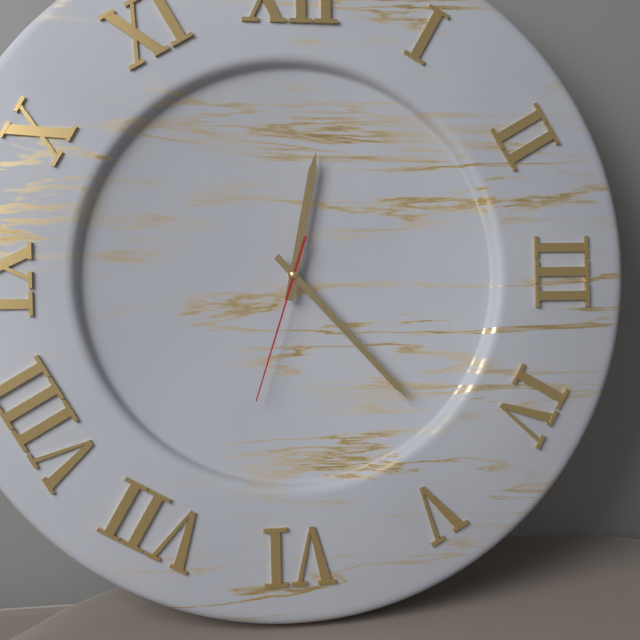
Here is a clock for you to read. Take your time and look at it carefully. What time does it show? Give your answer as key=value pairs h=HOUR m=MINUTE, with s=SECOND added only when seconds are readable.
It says h=12 m=23 s=33
